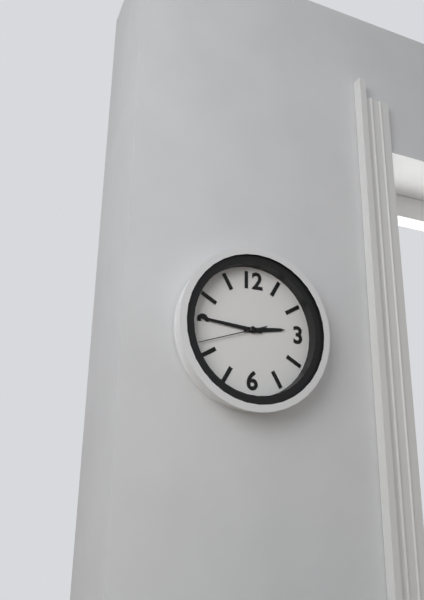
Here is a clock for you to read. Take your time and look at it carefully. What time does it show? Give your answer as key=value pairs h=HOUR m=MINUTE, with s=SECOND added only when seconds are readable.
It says h=2 m=46 s=42
